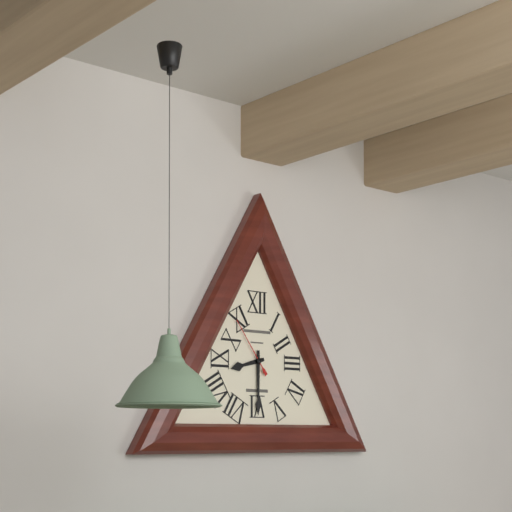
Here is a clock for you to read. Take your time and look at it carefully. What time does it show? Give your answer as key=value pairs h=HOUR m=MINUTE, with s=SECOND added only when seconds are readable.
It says h=8 m=30 s=54
